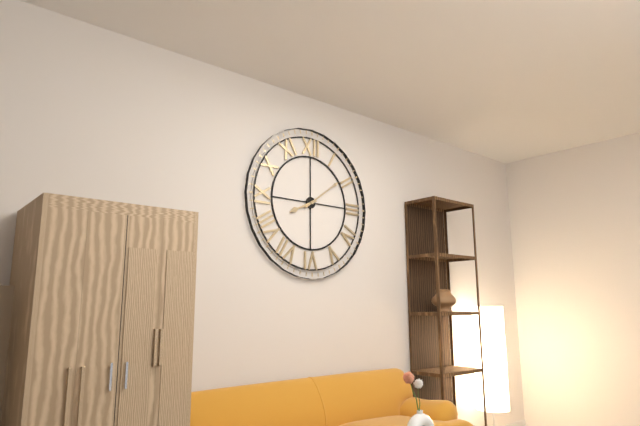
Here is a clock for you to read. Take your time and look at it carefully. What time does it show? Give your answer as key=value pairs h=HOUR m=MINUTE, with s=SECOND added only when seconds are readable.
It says h=8 m=9
